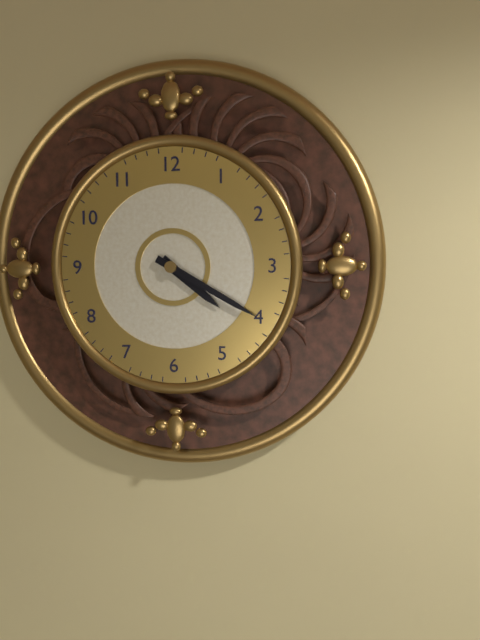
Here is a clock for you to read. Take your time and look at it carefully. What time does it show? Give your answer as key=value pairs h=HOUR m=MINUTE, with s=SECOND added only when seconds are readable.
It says h=4 m=20
